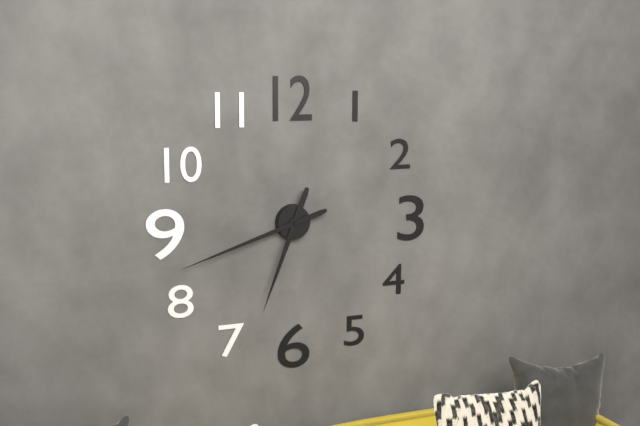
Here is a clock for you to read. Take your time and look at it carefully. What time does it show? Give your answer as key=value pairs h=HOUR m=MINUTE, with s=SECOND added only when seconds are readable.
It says h=6 m=42
